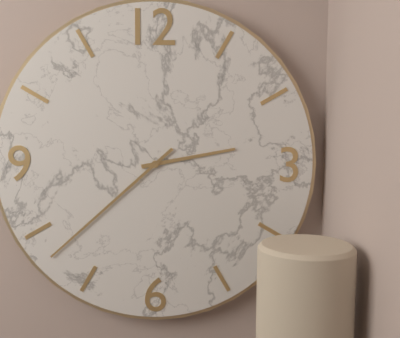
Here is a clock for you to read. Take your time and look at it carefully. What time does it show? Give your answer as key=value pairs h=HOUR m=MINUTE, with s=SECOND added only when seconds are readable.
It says h=2 m=38
